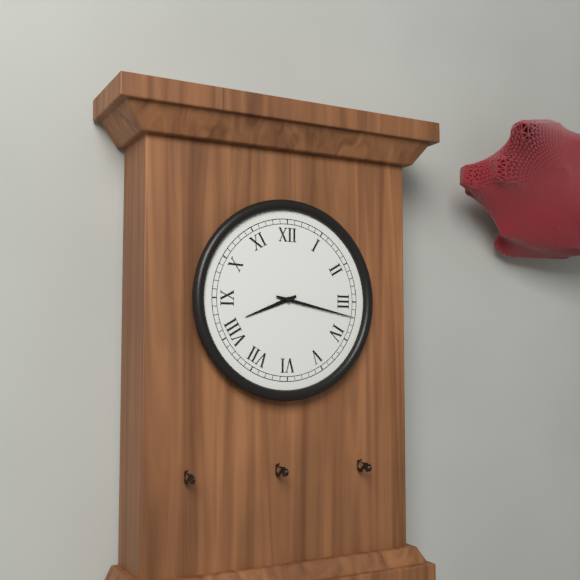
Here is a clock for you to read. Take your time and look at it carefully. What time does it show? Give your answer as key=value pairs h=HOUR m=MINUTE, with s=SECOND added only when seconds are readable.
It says h=8 m=17
